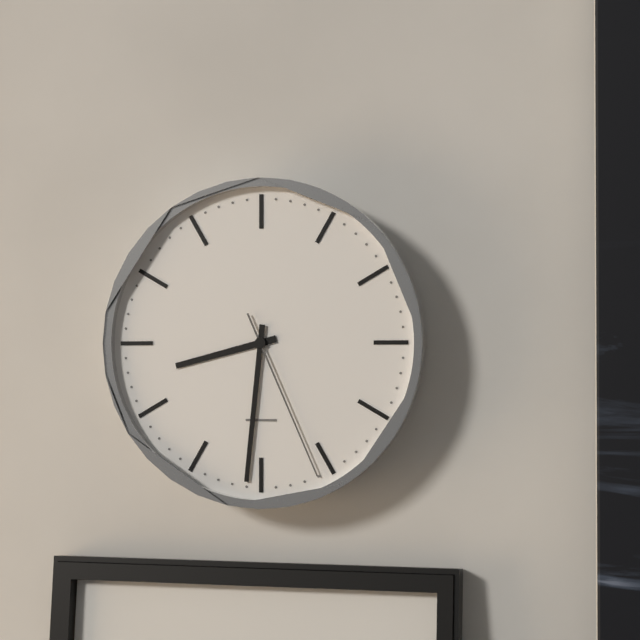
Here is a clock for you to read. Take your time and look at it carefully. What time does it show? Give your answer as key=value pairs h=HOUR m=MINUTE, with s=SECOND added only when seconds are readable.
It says h=8 m=31 s=26
